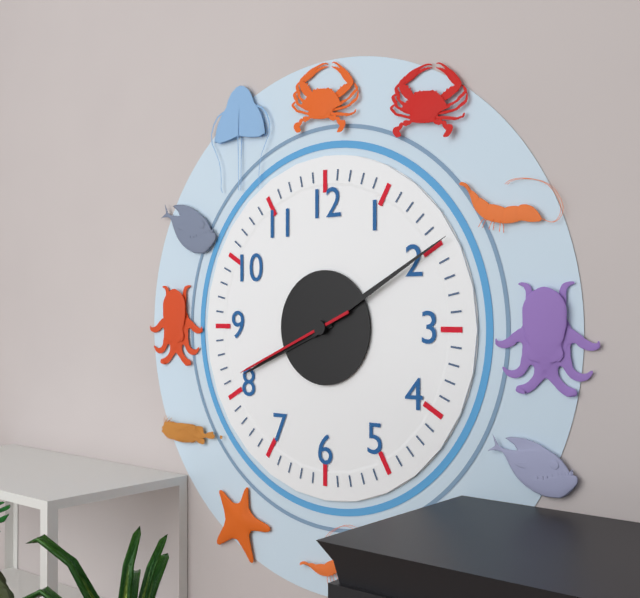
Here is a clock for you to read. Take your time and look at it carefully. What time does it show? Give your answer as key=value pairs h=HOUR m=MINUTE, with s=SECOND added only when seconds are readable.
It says h=8 m=10 s=41
